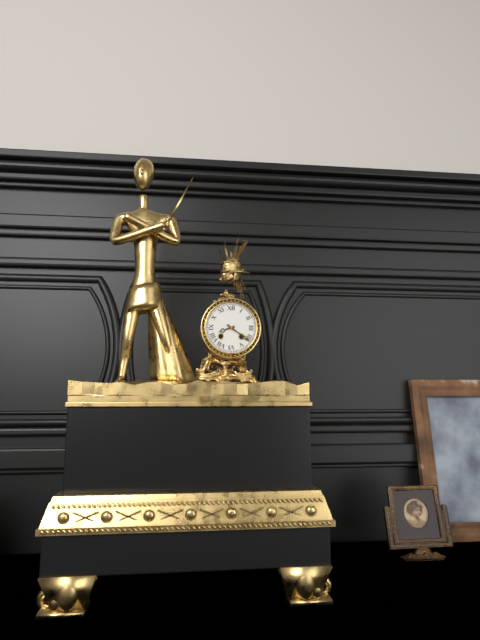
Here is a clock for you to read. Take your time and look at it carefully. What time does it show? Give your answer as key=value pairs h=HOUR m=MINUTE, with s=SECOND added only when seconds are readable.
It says h=8 m=21
